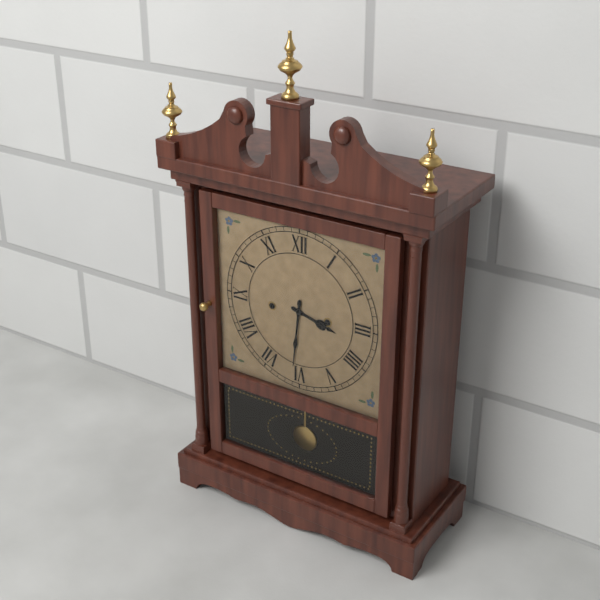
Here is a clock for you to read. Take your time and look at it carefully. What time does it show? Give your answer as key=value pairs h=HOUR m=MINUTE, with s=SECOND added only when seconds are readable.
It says h=3 m=31
